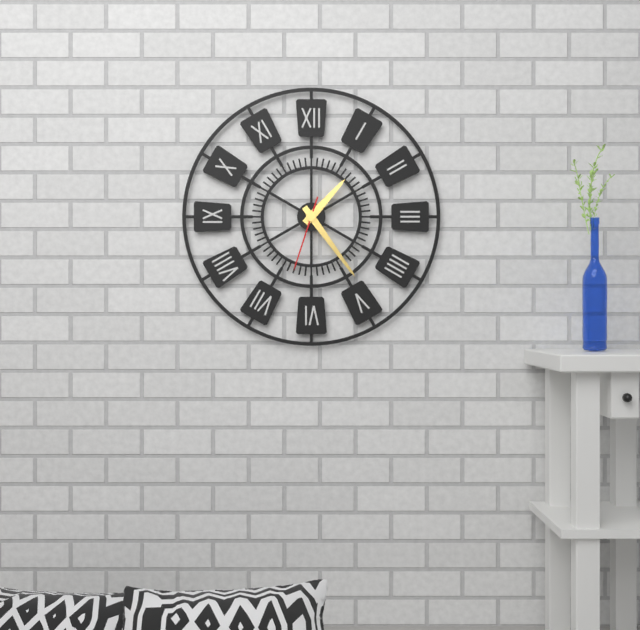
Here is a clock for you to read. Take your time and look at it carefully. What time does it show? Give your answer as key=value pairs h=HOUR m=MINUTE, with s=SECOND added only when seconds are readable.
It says h=1 m=24 s=33
